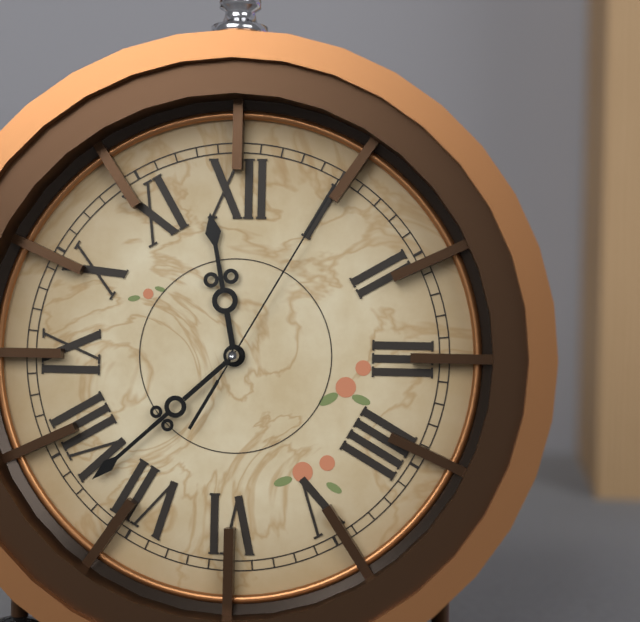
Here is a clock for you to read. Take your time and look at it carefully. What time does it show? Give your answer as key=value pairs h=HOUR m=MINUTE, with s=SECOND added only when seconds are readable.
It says h=11 m=38 s=5
